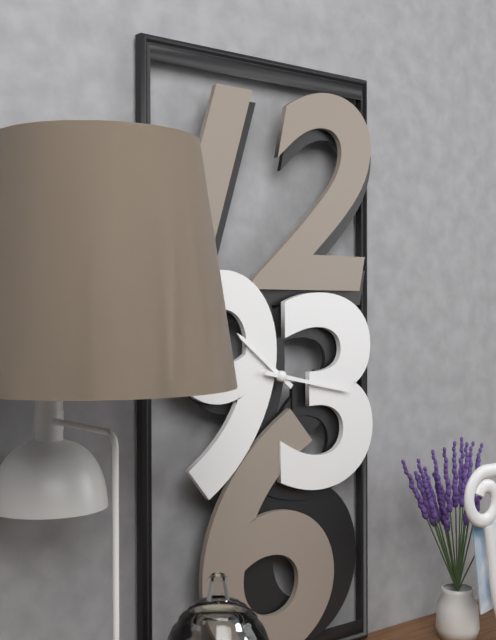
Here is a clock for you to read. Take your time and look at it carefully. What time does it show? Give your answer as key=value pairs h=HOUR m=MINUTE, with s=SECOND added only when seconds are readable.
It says h=10 m=17
